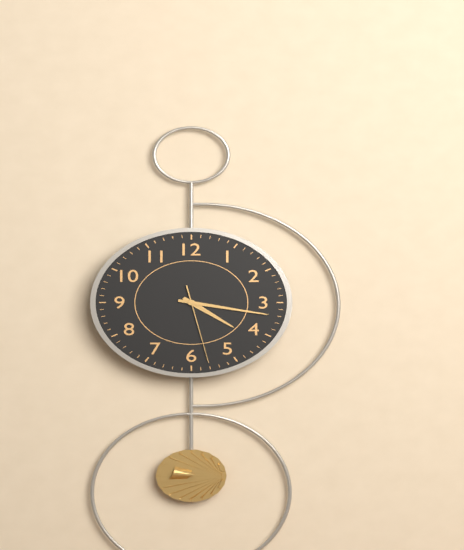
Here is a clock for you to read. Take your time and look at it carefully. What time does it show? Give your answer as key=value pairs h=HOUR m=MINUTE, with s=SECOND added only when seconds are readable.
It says h=4 m=17 s=28
